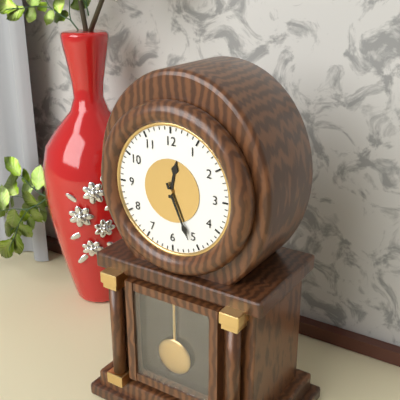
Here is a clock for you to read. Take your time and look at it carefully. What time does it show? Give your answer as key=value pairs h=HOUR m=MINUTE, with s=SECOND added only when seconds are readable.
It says h=12 m=26
